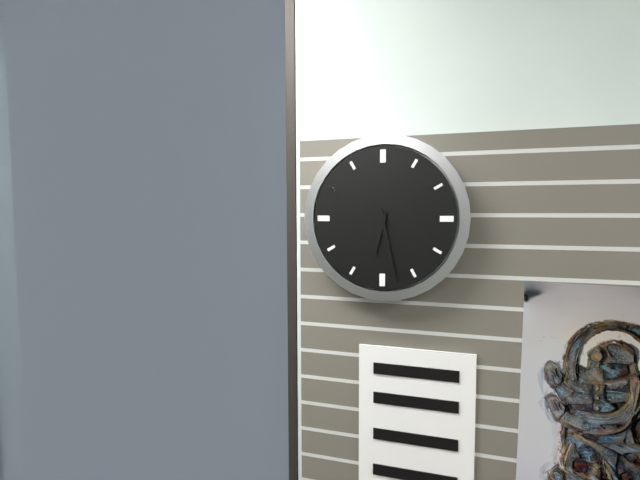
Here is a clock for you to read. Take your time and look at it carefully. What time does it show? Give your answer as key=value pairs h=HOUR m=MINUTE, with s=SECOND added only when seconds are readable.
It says h=6 m=28
